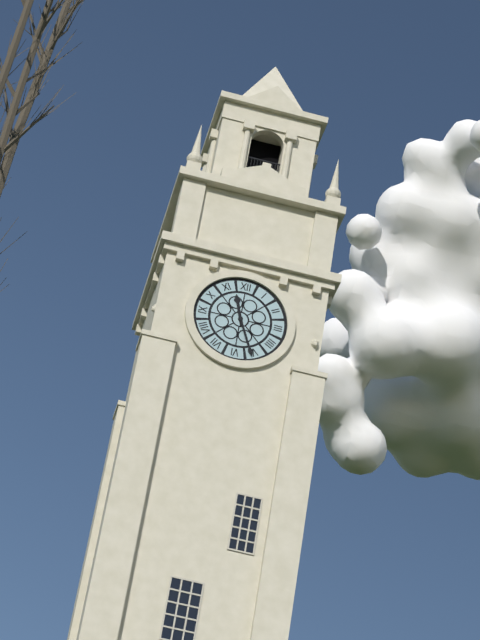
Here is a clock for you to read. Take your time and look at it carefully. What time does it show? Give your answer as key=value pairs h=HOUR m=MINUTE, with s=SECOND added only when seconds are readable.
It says h=11 m=26
